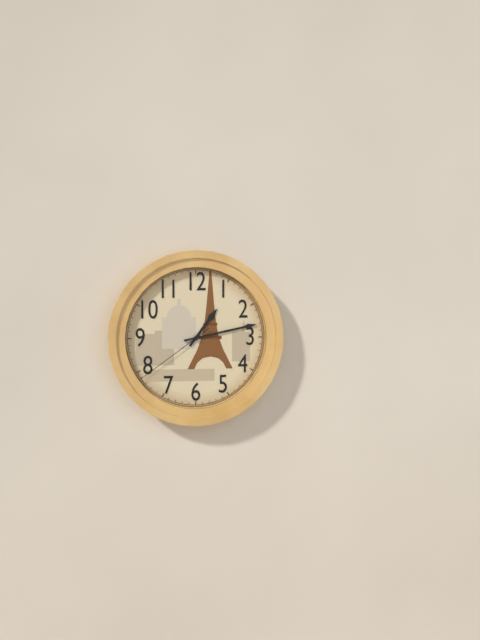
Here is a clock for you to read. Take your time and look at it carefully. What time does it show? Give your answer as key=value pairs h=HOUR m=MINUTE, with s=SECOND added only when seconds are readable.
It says h=1 m=13 s=39
